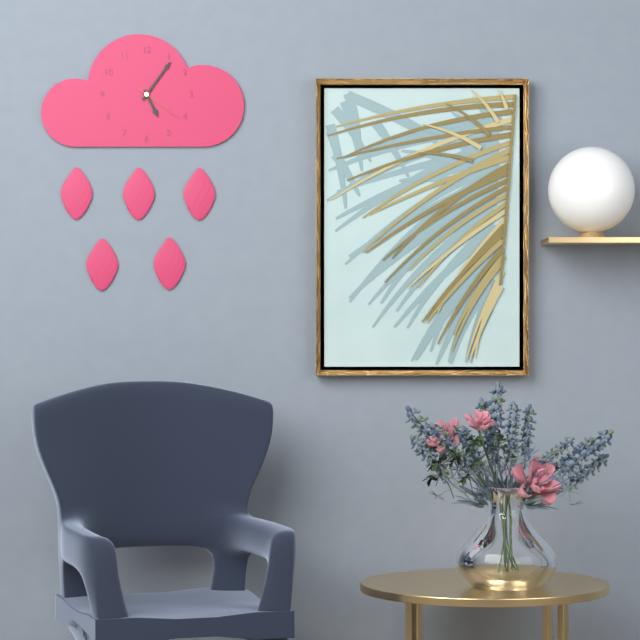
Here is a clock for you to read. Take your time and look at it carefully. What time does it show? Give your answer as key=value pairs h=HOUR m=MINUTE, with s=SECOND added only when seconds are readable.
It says h=5 m=6
